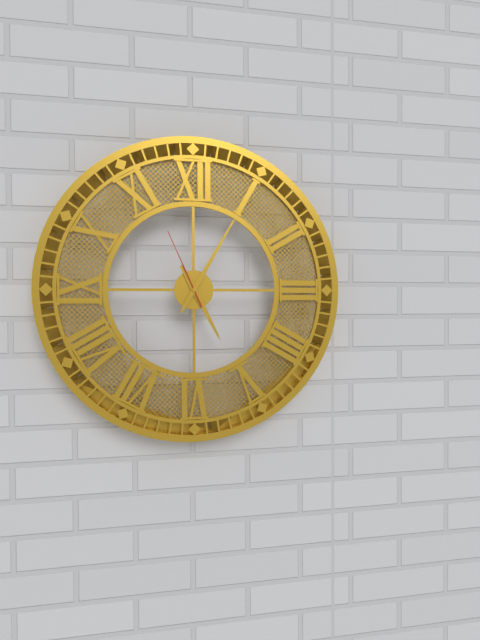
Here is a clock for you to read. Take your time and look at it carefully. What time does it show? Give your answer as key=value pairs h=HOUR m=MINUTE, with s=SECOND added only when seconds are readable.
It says h=5 m=5 s=56
